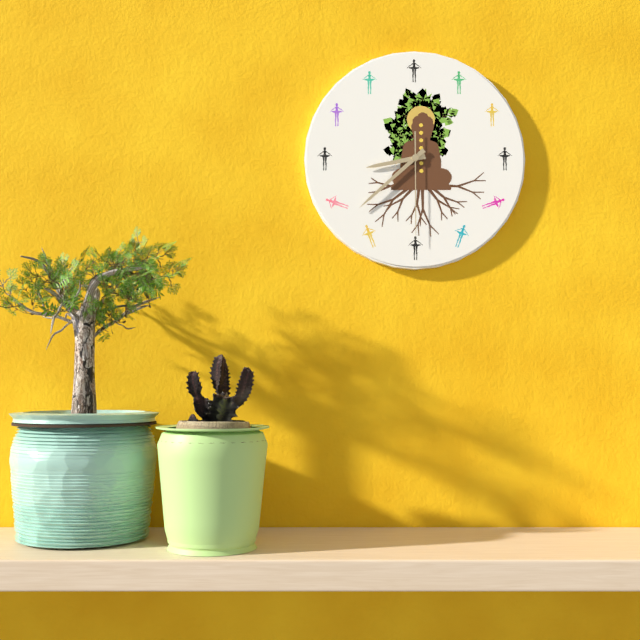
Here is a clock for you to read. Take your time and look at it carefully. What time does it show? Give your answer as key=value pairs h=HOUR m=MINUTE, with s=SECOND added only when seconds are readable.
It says h=8 m=38 s=30
